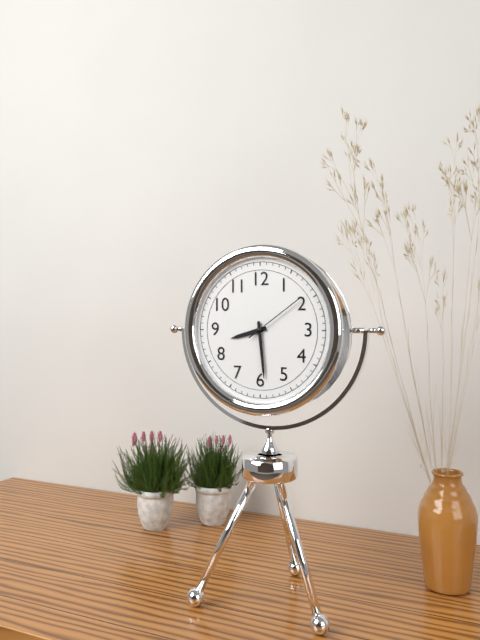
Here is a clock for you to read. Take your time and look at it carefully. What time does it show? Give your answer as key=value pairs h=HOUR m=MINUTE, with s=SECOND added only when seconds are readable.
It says h=8 m=29 s=9
